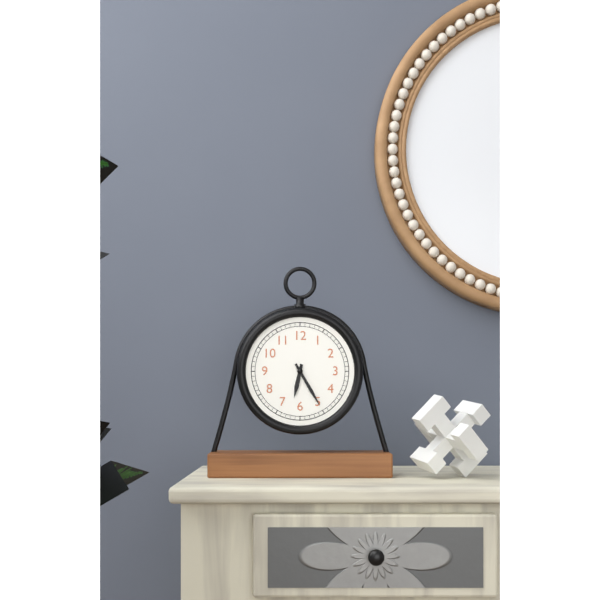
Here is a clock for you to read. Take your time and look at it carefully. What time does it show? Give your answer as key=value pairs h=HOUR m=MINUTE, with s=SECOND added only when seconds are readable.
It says h=6 m=25
